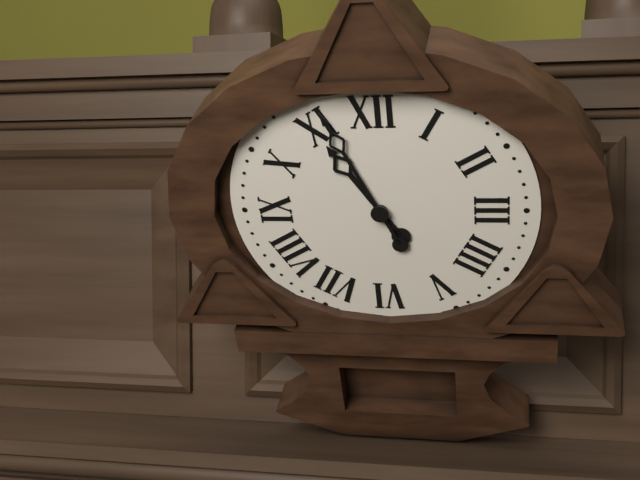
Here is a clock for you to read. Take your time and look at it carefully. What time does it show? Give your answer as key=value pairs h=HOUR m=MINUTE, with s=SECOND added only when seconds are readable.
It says h=10 m=56
